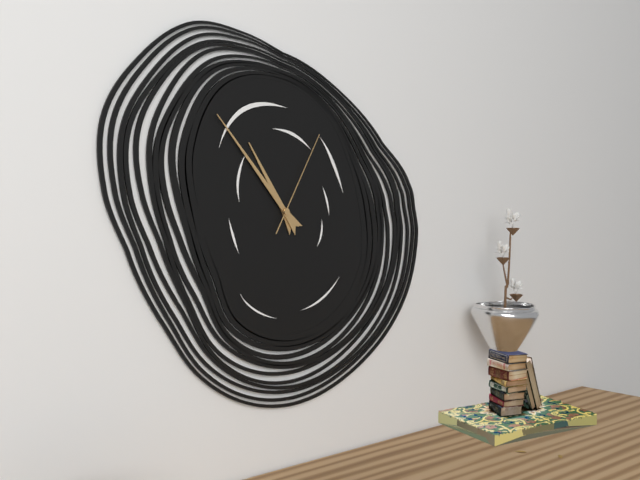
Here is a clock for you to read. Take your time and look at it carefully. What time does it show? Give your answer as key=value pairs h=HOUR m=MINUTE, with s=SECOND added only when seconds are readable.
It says h=10 m=53 s=5
